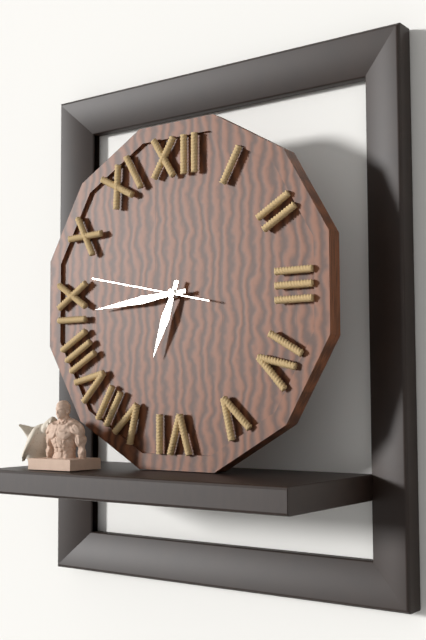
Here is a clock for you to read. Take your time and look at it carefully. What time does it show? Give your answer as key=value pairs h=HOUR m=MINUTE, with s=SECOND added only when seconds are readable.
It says h=6 m=44 s=47
